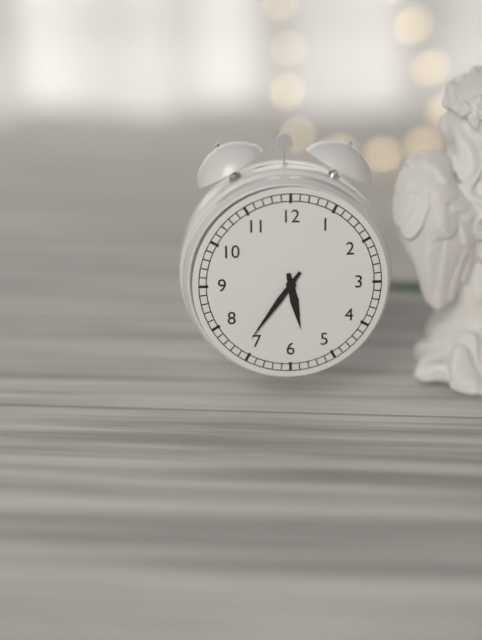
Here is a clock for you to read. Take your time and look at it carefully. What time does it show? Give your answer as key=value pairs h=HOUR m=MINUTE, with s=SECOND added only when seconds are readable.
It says h=5 m=36
